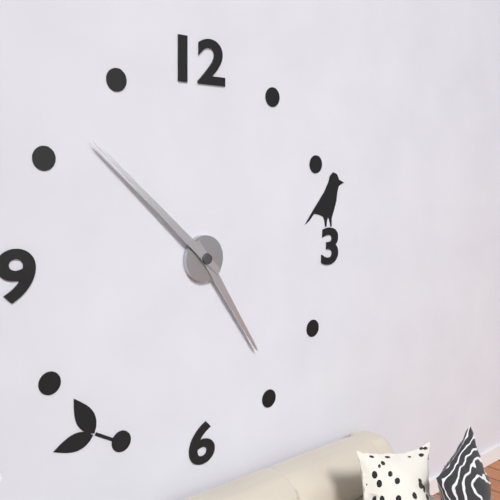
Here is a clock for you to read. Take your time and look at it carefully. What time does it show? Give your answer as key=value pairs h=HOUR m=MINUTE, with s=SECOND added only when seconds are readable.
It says h=4 m=52
